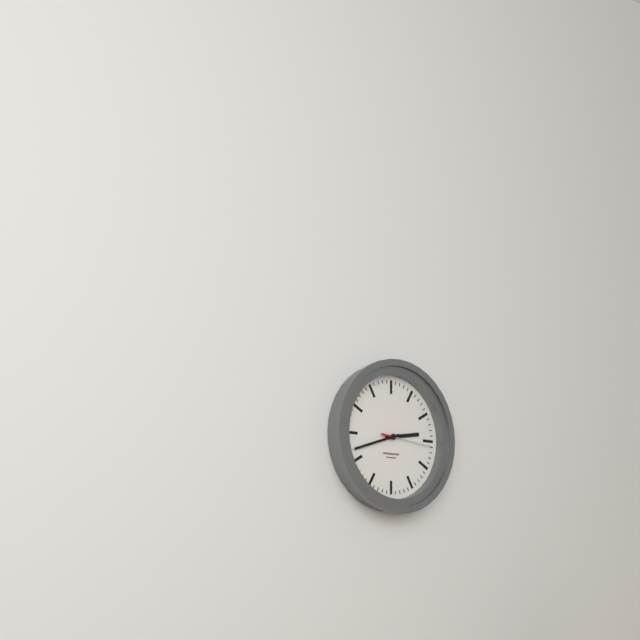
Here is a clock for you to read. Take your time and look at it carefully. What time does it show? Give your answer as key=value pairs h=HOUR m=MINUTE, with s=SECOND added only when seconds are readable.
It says h=2 m=42 s=16
